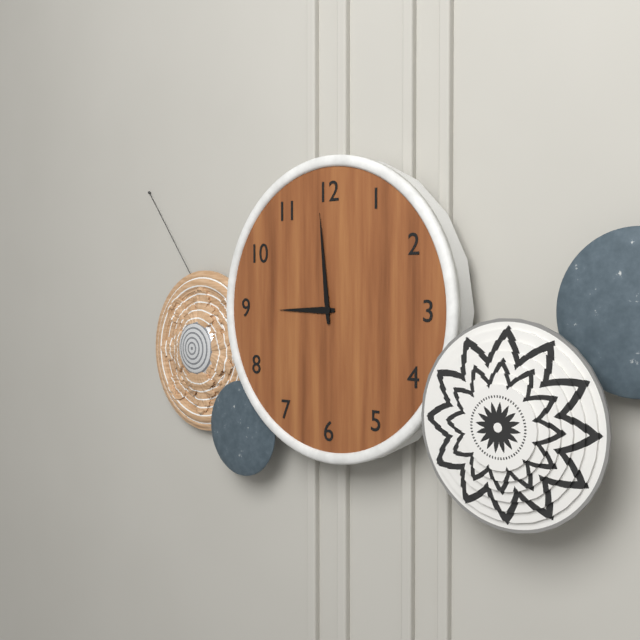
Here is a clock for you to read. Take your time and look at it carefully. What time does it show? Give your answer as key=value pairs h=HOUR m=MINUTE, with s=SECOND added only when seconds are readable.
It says h=8 m=59
